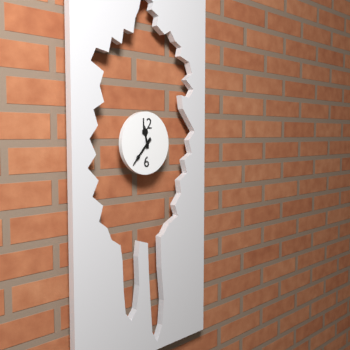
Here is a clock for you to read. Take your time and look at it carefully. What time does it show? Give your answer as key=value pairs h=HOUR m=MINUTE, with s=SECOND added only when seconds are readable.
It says h=11 m=37
